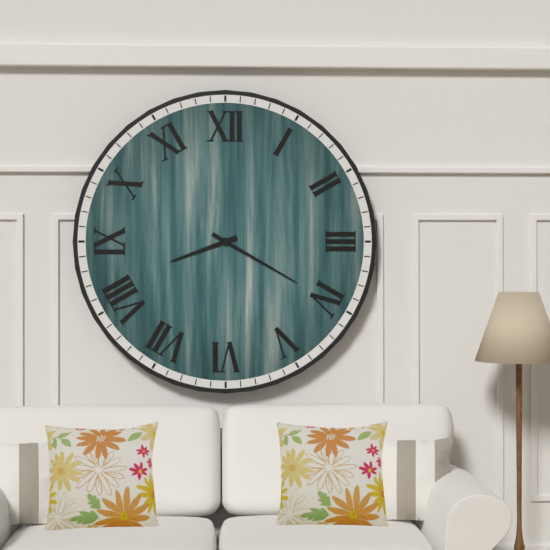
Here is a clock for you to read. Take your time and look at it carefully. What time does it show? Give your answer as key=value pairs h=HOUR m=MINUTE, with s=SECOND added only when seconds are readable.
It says h=8 m=20
